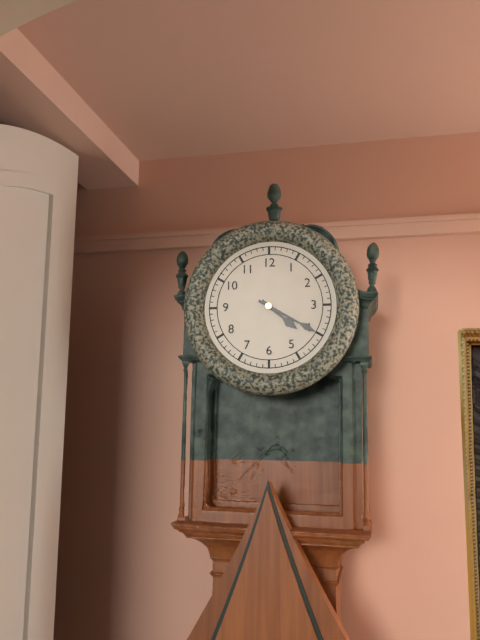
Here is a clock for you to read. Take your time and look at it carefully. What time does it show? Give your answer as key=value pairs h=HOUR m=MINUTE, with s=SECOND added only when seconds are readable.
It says h=4 m=20
